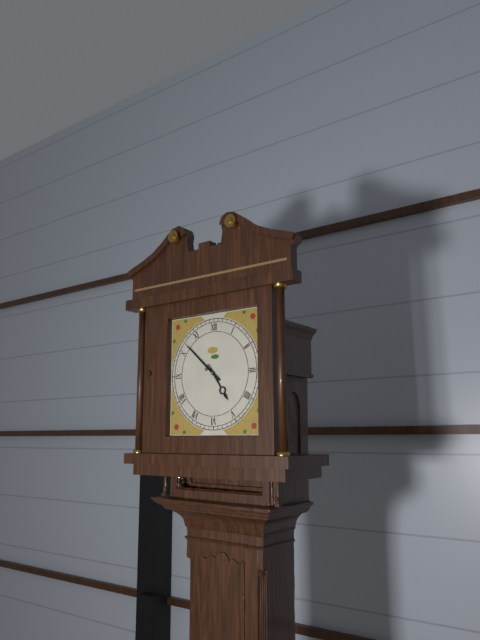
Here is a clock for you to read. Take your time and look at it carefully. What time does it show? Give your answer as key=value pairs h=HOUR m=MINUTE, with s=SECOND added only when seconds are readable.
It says h=4 m=52
